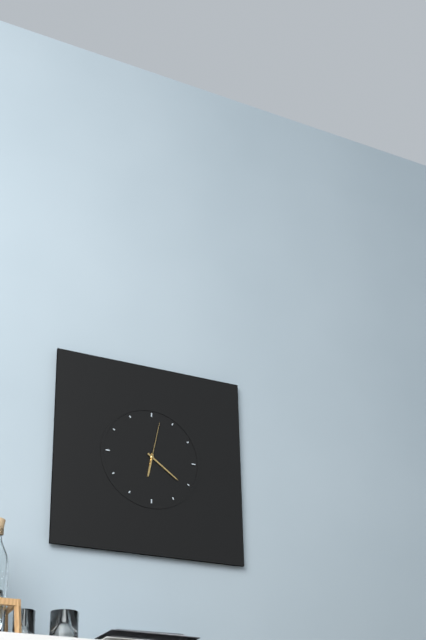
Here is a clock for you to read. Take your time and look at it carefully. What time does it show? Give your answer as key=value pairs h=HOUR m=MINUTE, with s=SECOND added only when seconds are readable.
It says h=6 m=21
